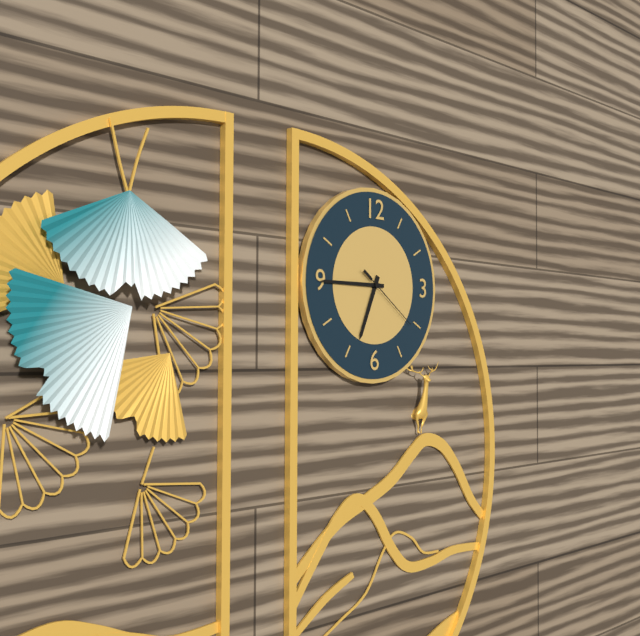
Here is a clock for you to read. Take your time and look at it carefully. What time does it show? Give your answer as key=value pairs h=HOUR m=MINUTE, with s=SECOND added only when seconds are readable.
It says h=6 m=45 s=21
